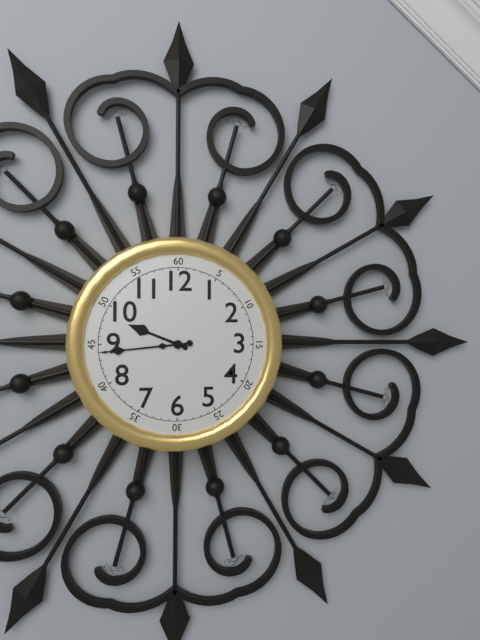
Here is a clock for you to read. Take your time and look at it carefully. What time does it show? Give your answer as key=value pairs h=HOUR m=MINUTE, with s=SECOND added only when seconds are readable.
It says h=9 m=44
